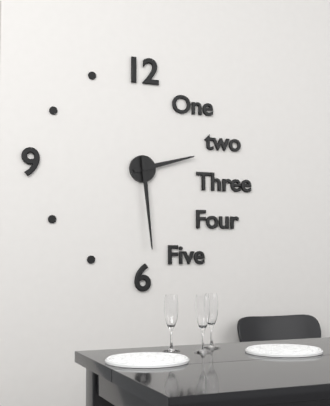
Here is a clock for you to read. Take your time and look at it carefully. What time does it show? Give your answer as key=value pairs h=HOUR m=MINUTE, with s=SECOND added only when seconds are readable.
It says h=2 m=29
